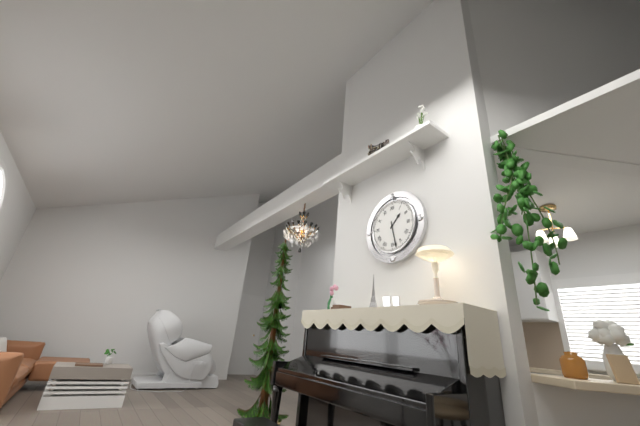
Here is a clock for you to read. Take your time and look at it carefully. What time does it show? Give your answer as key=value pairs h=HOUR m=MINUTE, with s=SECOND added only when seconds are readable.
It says h=1 m=28
